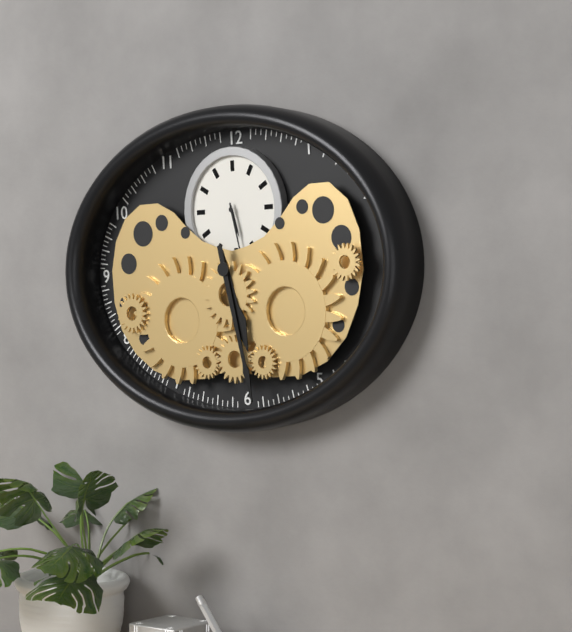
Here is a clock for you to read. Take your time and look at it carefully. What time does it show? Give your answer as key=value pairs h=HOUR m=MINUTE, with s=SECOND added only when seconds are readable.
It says h=5 m=28
